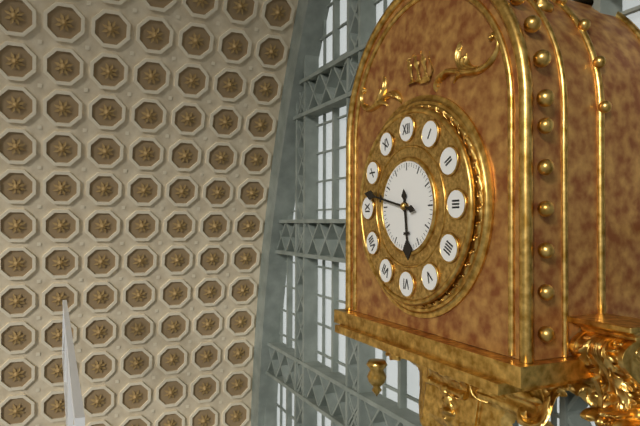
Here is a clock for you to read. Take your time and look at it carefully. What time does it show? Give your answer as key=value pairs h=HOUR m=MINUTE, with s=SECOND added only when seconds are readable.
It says h=5 m=47
